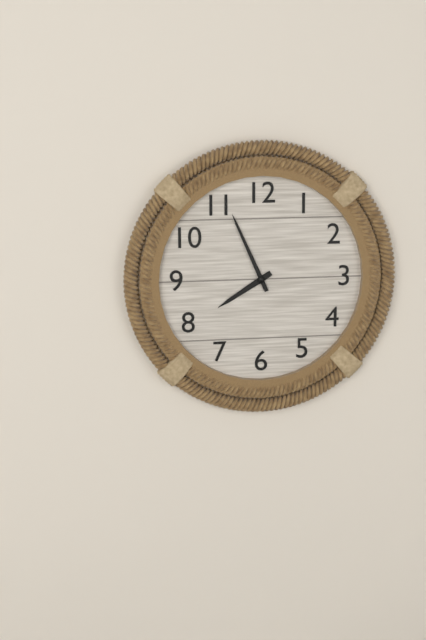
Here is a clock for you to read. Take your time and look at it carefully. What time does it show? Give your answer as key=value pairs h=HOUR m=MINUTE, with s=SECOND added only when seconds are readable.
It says h=7 m=56
